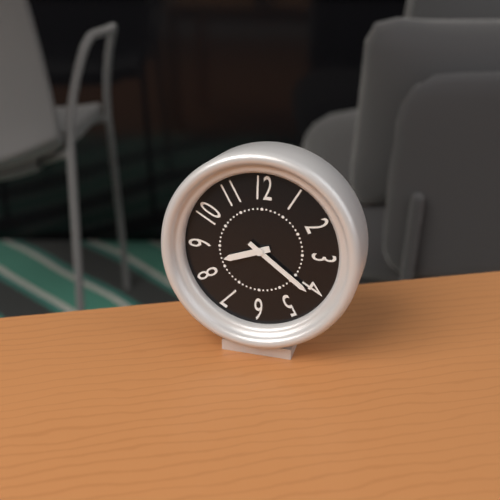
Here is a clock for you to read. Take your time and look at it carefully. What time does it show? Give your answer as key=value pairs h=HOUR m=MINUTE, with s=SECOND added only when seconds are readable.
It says h=8 m=21
